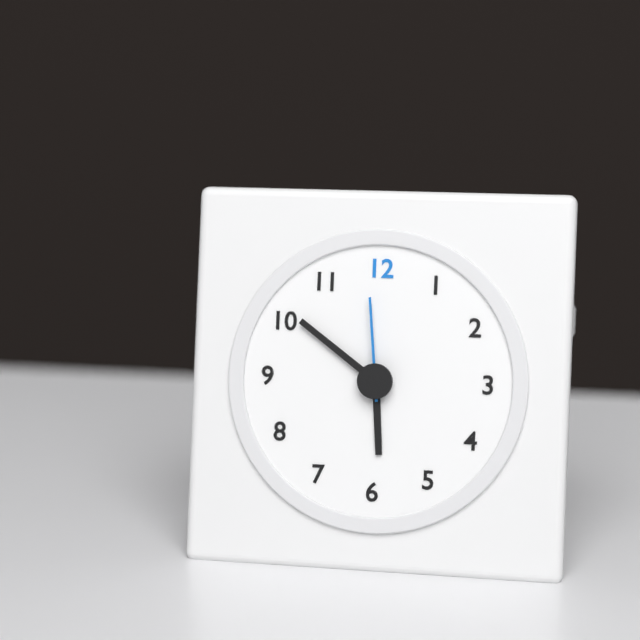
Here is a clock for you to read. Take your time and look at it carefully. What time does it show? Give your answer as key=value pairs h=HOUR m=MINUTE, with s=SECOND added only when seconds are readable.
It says h=5 m=51 s=59
